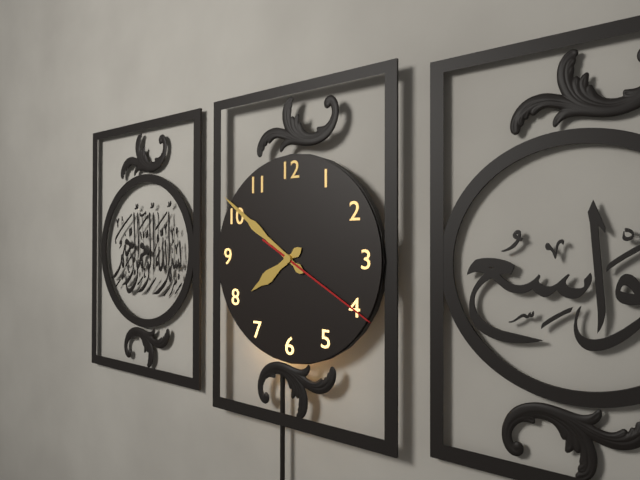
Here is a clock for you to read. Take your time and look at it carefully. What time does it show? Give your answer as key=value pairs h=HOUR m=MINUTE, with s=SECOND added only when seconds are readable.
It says h=7 m=51 s=20
